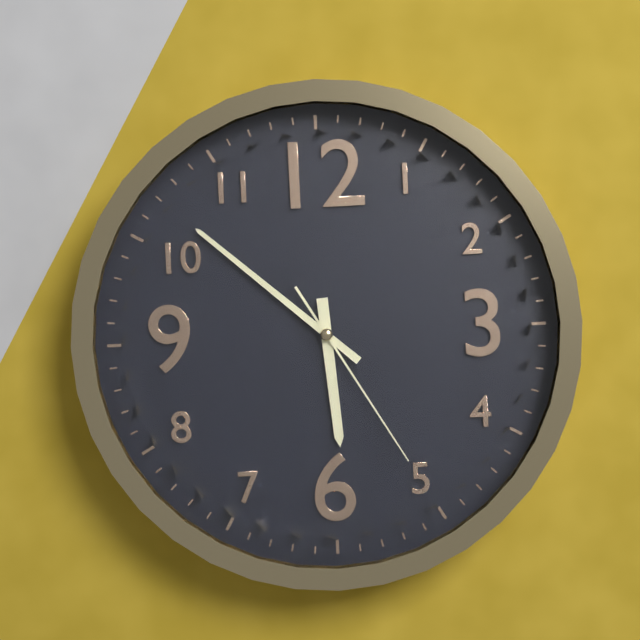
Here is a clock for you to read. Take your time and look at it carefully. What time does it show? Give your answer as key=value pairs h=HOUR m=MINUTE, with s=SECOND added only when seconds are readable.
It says h=5 m=52 s=25
